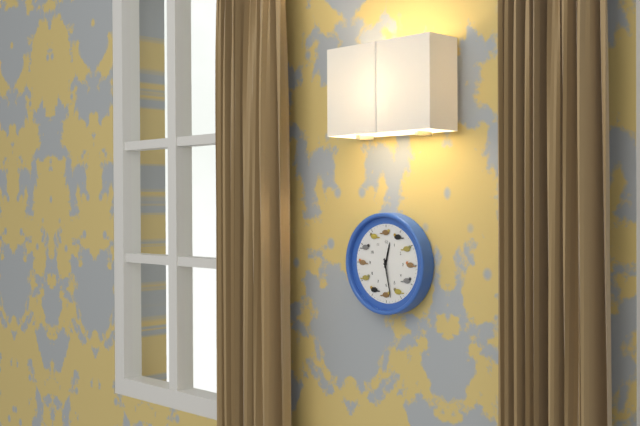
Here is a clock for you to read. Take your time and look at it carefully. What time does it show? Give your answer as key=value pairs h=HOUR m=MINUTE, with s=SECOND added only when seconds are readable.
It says h=12 m=28
